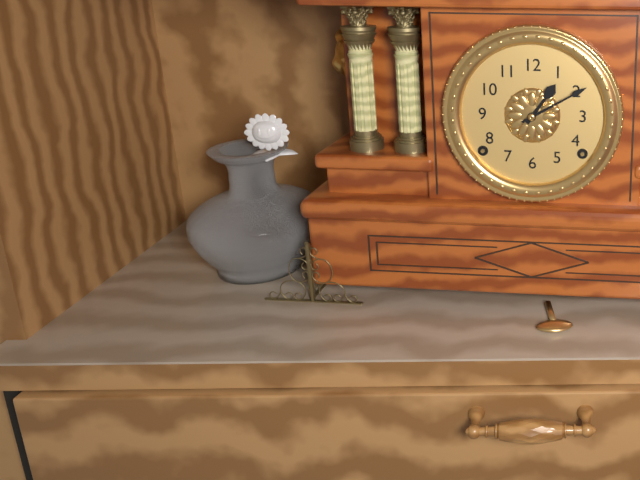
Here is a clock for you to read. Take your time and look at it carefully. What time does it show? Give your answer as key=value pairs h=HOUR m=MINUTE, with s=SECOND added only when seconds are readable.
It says h=1 m=10
